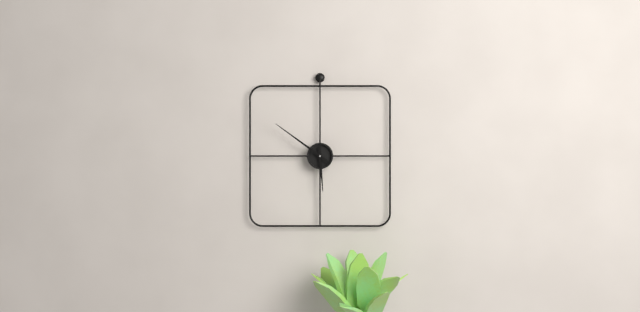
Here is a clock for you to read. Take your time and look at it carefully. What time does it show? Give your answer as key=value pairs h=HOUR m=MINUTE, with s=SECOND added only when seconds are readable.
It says h=5 m=51
